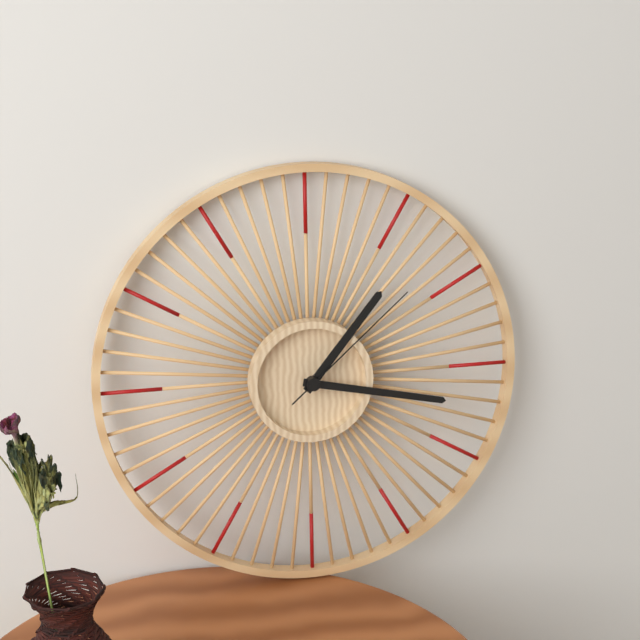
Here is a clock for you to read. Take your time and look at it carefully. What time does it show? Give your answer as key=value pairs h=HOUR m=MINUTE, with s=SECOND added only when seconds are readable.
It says h=1 m=17 s=8
